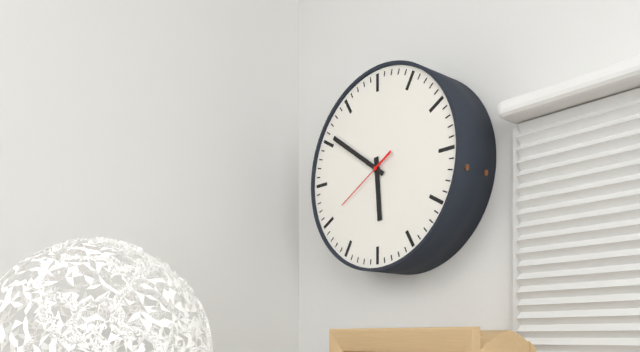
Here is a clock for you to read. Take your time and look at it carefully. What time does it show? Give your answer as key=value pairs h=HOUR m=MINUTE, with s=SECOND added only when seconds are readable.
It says h=5 m=51 s=40
